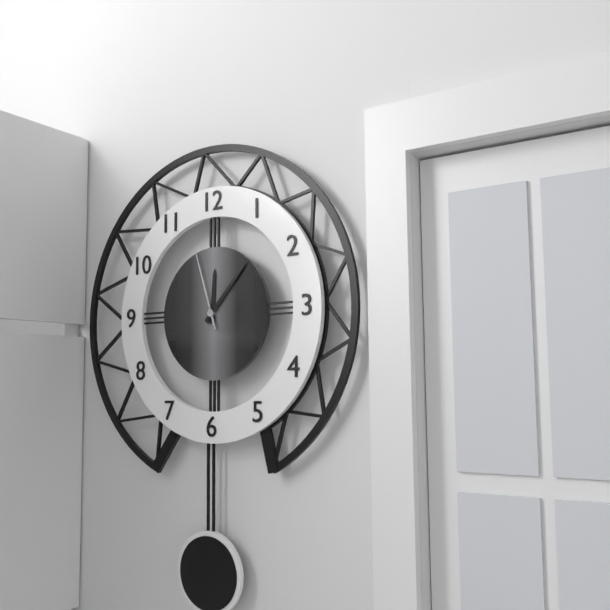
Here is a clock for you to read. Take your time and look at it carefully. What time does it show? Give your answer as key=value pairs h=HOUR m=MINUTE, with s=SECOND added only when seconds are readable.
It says h=12 m=7 s=57
